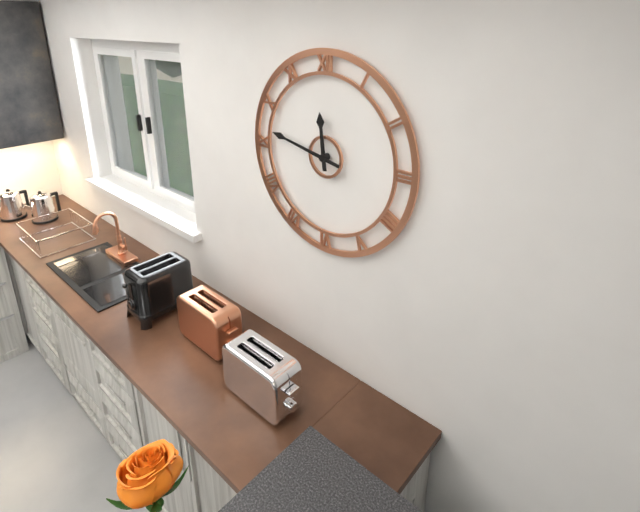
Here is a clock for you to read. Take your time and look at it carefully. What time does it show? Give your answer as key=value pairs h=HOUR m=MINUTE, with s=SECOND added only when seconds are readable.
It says h=11 m=47
